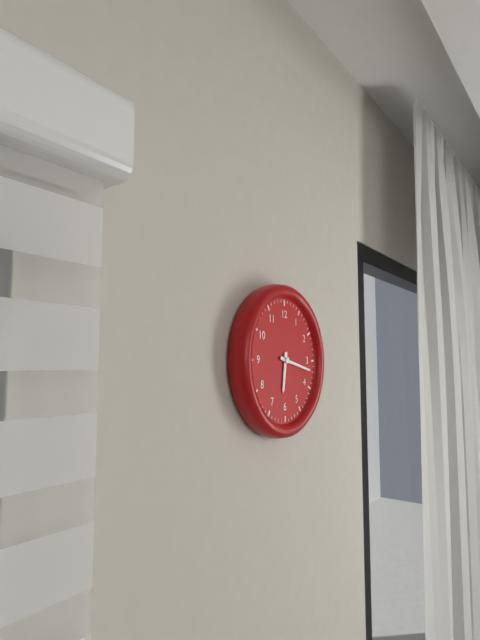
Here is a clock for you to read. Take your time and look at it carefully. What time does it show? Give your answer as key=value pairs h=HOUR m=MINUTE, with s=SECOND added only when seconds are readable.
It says h=6 m=17
